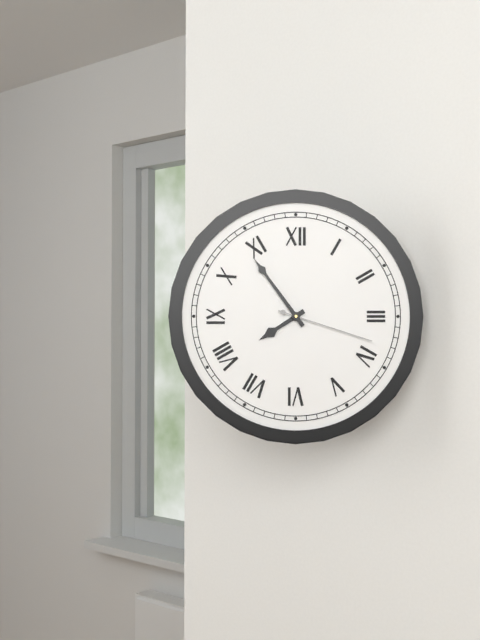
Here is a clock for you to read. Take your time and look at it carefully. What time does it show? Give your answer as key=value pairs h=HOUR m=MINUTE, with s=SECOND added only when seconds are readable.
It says h=7 m=54 s=18
